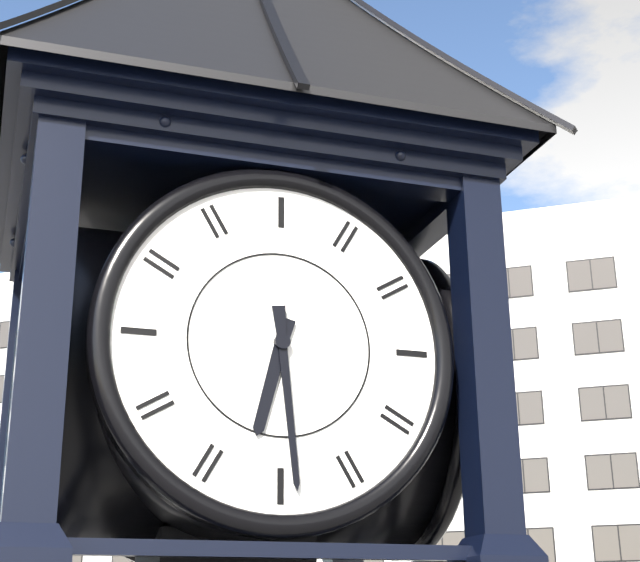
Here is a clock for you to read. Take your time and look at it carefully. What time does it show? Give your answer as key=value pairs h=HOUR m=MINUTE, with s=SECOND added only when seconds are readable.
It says h=6 m=29
